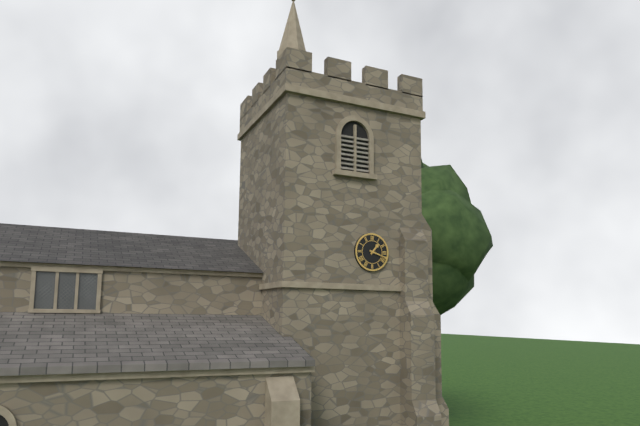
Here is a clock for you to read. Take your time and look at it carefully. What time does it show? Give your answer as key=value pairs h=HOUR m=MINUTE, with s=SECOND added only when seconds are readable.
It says h=1 m=18
